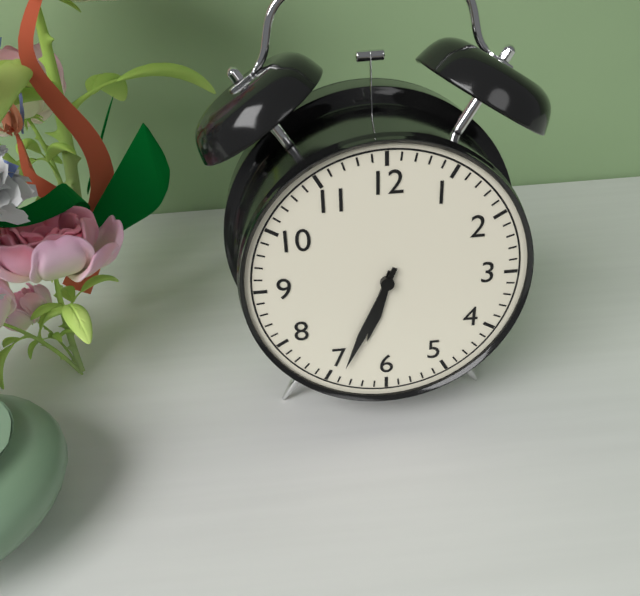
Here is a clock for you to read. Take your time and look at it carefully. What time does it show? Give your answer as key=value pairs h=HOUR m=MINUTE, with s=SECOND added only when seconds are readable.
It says h=6 m=34
